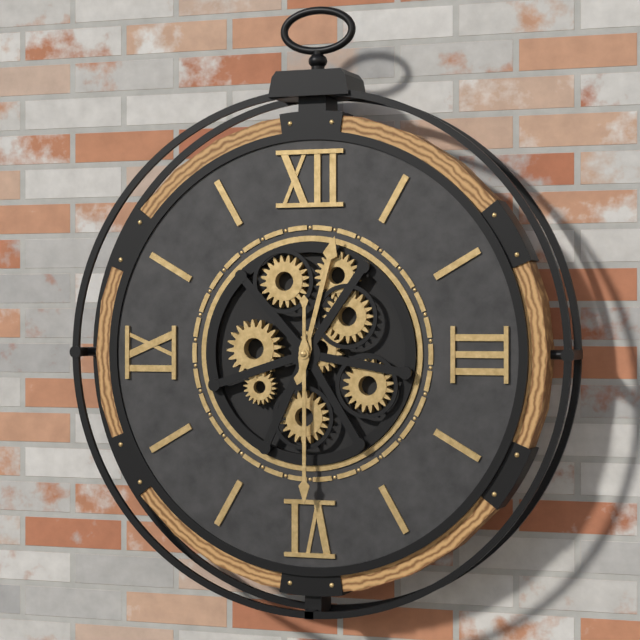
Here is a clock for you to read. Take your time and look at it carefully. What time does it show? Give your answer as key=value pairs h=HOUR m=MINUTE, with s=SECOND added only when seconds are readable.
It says h=12 m=30
